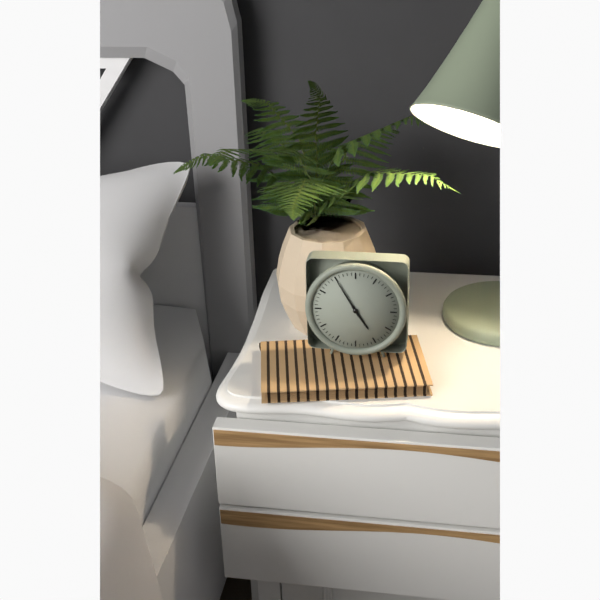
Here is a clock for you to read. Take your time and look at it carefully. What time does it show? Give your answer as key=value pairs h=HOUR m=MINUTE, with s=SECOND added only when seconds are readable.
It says h=4 m=55
